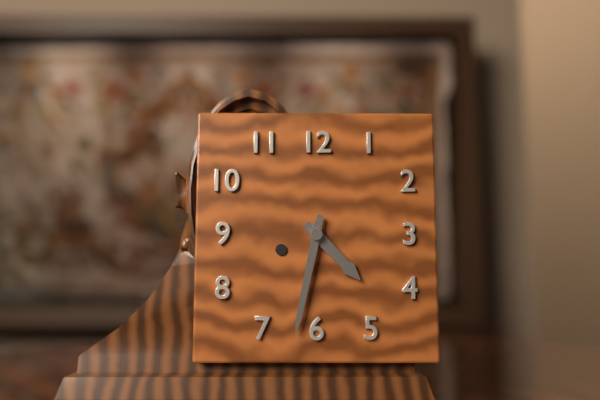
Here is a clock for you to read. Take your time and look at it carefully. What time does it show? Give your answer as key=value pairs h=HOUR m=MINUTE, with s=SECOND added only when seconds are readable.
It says h=4 m=32
